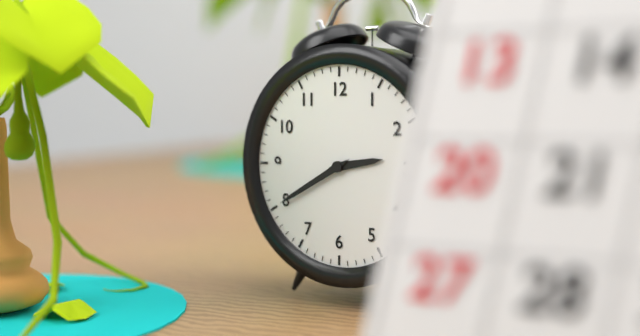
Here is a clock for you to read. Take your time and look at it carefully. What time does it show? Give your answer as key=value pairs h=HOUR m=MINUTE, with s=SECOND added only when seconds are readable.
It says h=2 m=40
